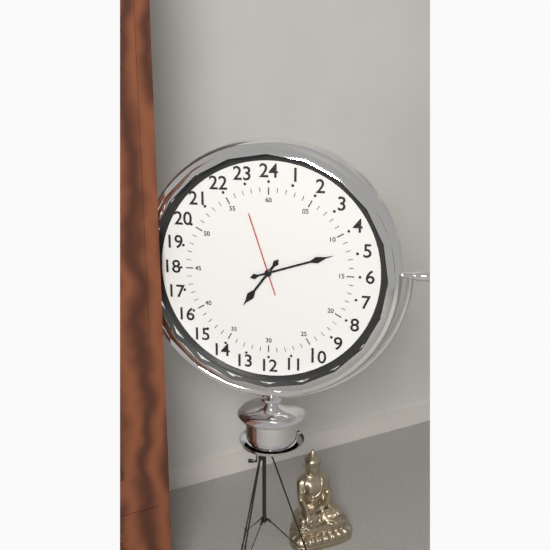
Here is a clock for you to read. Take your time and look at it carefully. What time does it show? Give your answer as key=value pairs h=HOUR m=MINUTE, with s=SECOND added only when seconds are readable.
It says h=7 m=12 s=57
